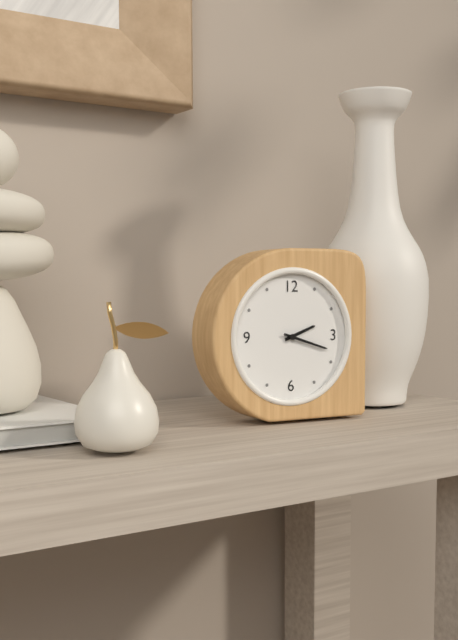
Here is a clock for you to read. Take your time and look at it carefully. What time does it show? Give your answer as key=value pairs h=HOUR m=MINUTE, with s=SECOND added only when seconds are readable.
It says h=2 m=18
